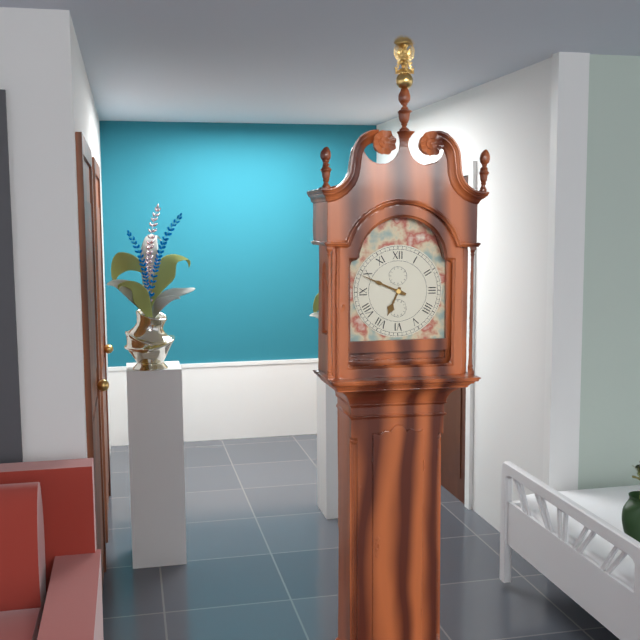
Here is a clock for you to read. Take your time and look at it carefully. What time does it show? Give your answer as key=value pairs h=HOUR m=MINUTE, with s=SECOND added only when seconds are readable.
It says h=6 m=49
